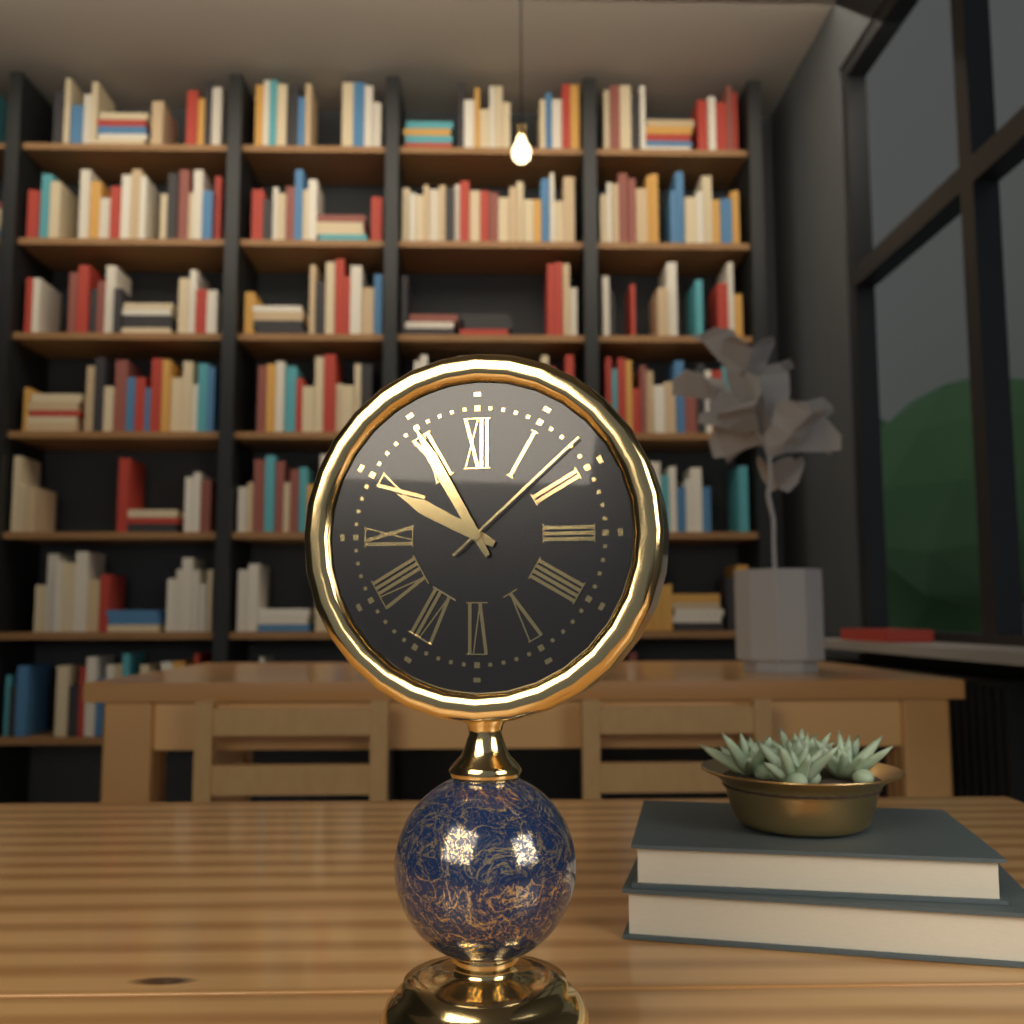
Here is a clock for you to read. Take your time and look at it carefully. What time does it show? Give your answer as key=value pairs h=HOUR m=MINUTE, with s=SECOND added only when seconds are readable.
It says h=9 m=55 s=8
